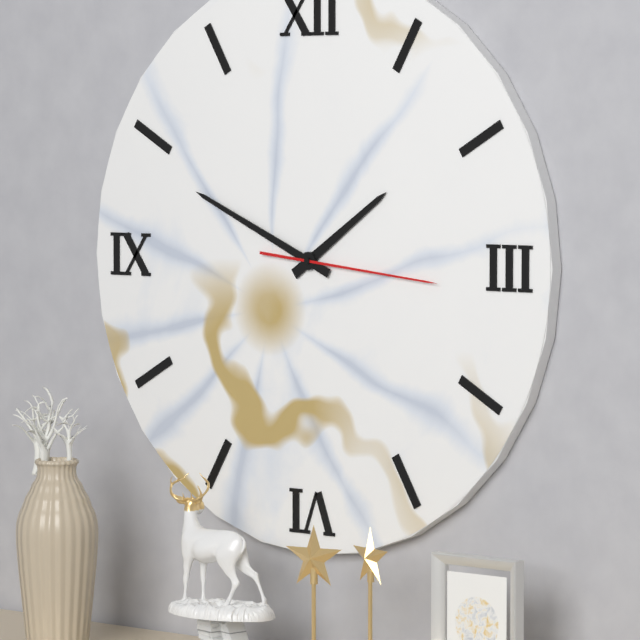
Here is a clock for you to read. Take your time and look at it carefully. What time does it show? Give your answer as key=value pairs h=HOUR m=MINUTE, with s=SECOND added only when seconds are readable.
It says h=1 m=49 s=16
